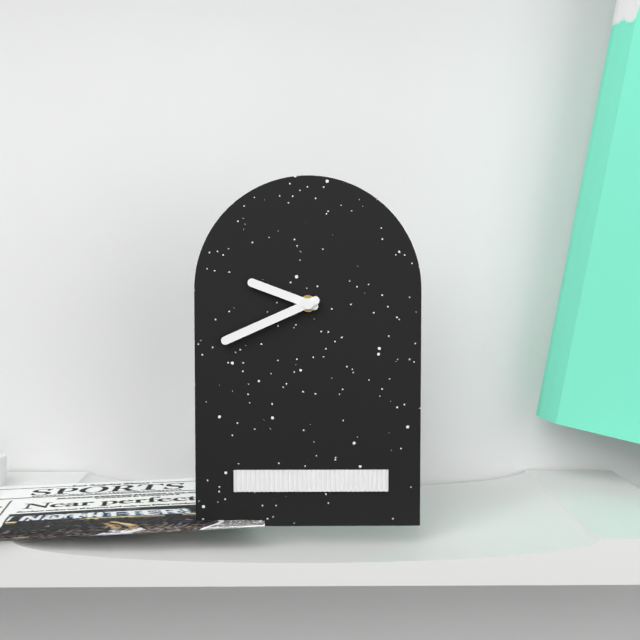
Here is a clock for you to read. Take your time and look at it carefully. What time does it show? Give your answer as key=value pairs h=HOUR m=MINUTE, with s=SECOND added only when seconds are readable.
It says h=9 m=41
